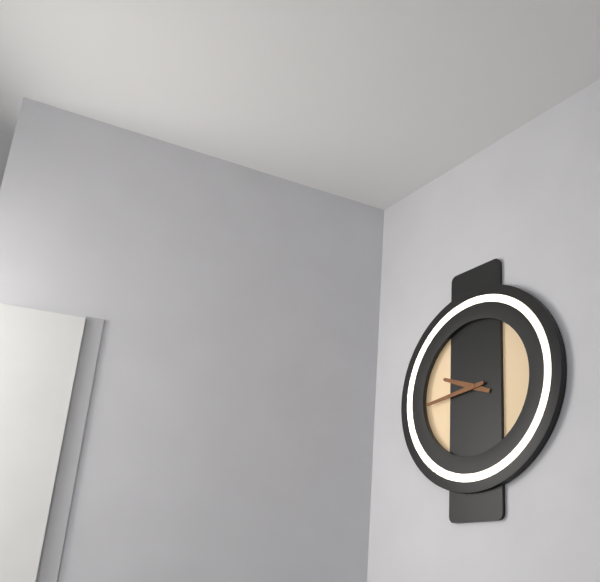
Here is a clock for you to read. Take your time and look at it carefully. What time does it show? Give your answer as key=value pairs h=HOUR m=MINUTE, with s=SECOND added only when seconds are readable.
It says h=9 m=44
